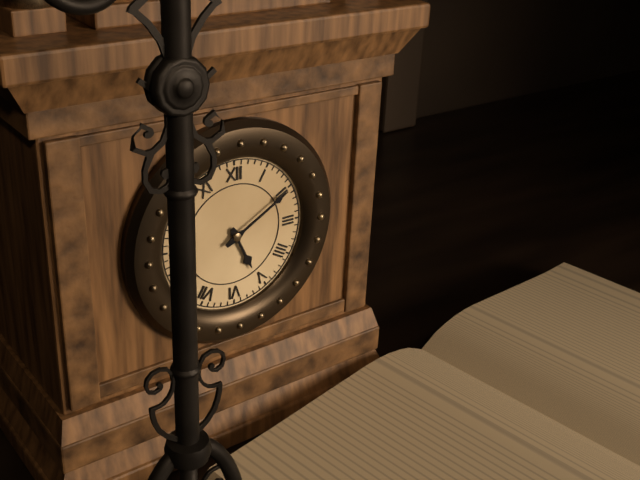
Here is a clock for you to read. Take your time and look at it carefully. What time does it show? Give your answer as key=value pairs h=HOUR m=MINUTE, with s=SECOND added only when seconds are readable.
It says h=5 m=10
